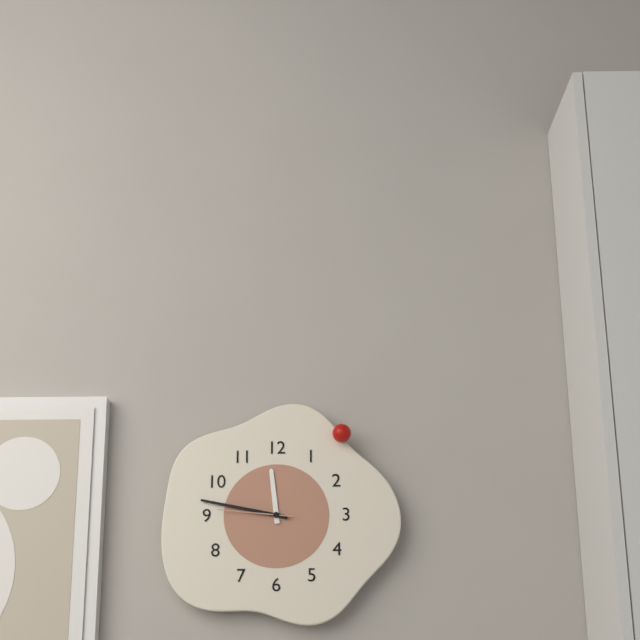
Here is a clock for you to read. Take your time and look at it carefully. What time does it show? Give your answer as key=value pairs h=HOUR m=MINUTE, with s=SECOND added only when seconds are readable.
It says h=11 m=47 s=46
